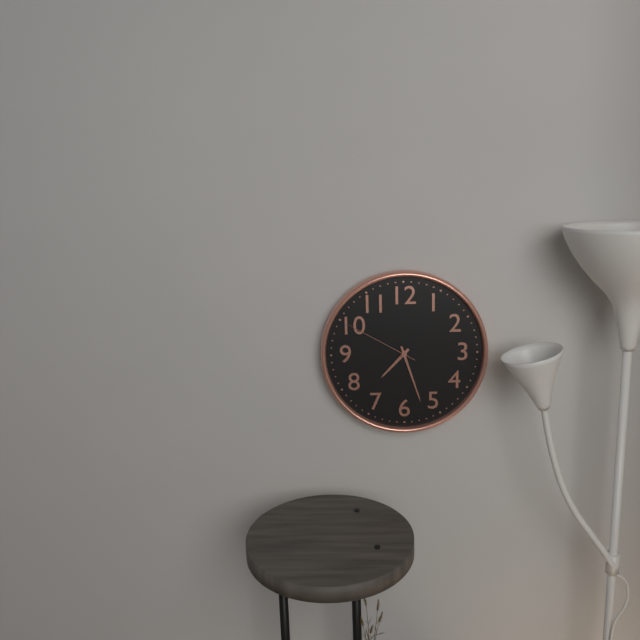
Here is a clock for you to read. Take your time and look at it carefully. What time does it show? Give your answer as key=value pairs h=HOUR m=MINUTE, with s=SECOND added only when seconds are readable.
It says h=7 m=27 s=50
